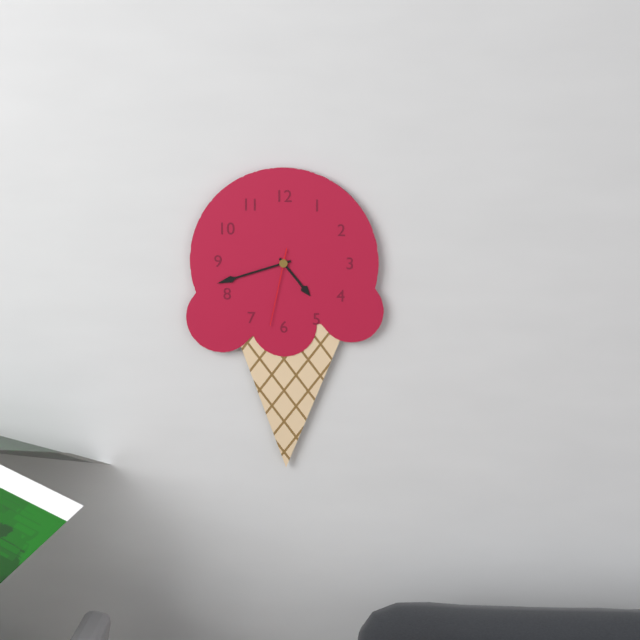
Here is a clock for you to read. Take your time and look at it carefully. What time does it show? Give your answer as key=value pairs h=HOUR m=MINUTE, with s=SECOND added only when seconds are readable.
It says h=4 m=42 s=32
